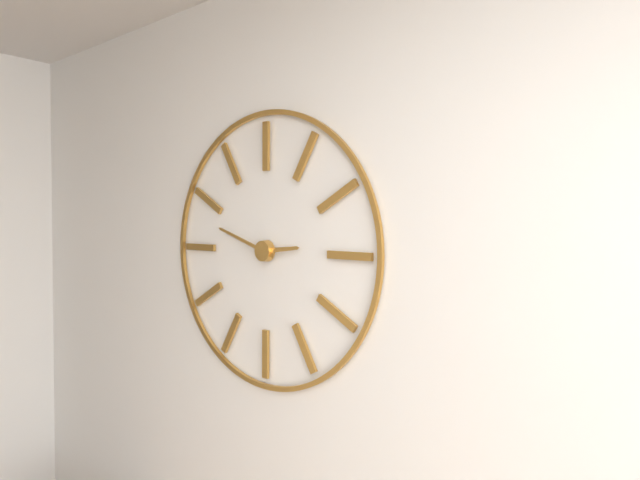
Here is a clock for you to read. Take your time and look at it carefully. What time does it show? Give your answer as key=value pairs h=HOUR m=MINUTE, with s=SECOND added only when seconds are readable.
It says h=2 m=48
